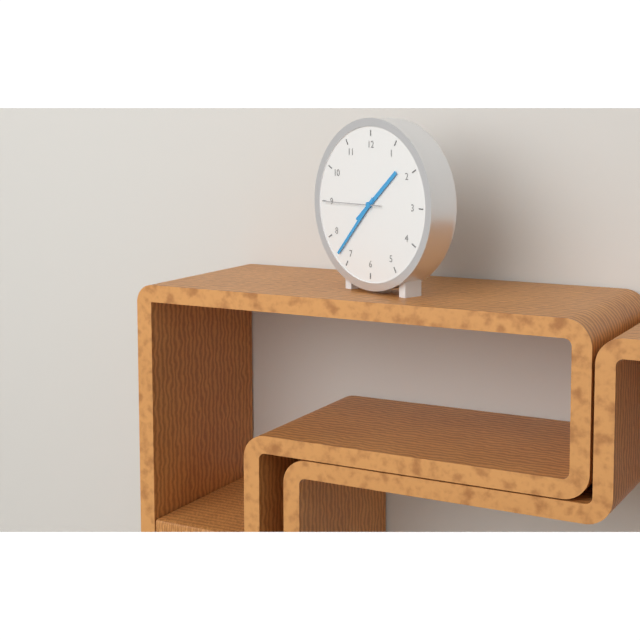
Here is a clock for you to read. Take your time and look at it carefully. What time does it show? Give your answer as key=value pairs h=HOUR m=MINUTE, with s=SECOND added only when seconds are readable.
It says h=1 m=37 s=45
